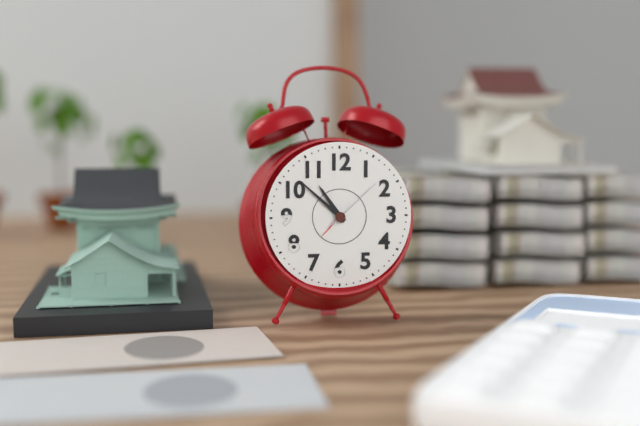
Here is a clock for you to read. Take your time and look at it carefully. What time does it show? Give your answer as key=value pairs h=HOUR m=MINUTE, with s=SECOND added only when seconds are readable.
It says h=10 m=52 s=8
